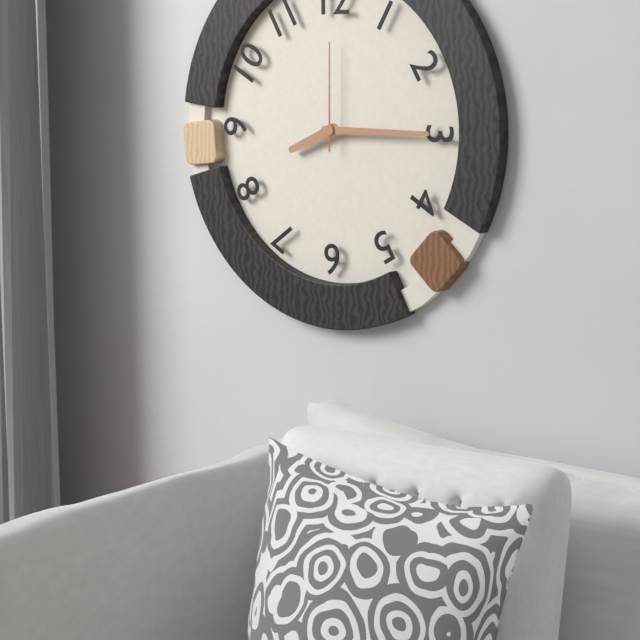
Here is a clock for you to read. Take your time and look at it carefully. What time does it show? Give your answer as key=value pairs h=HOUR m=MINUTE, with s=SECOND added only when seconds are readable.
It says h=8 m=15 s=0
